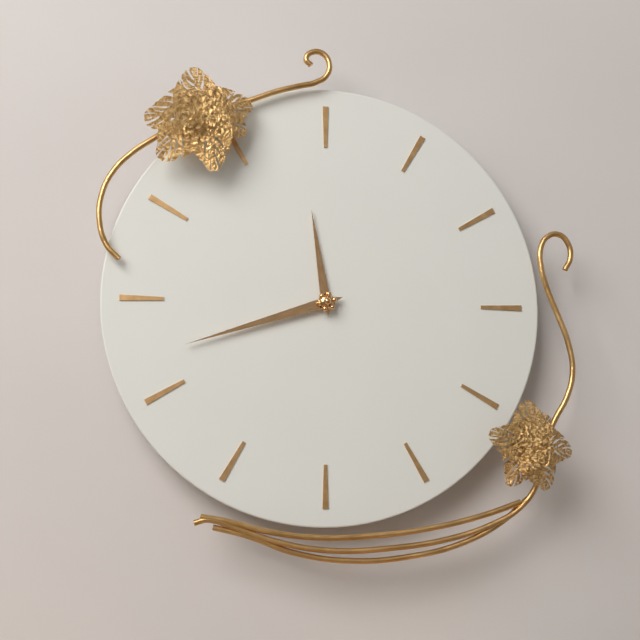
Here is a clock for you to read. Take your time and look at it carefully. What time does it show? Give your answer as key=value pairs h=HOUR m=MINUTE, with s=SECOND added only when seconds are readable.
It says h=11 m=42
